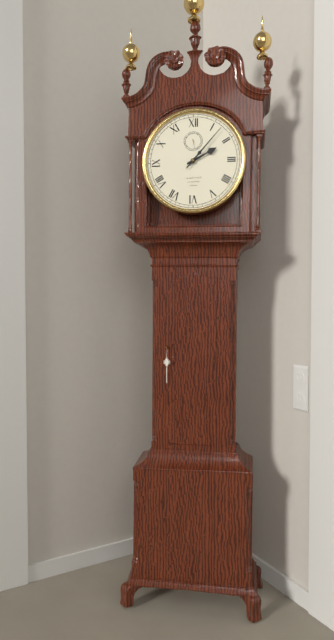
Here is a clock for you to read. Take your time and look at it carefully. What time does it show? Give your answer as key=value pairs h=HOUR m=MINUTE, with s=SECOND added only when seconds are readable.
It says h=2 m=7
